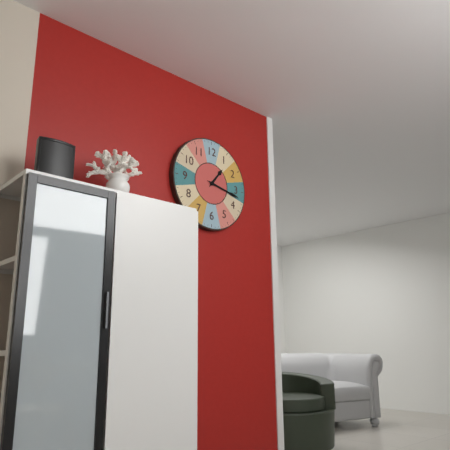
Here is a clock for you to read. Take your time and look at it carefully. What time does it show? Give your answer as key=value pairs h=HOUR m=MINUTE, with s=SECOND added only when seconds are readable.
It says h=1 m=17
